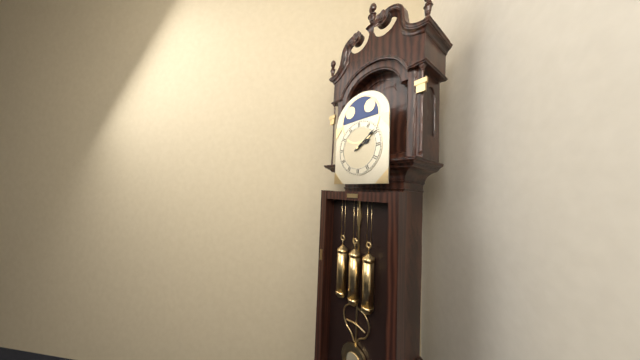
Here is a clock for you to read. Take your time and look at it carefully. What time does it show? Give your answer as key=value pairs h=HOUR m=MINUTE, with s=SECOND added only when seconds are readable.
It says h=2 m=9
